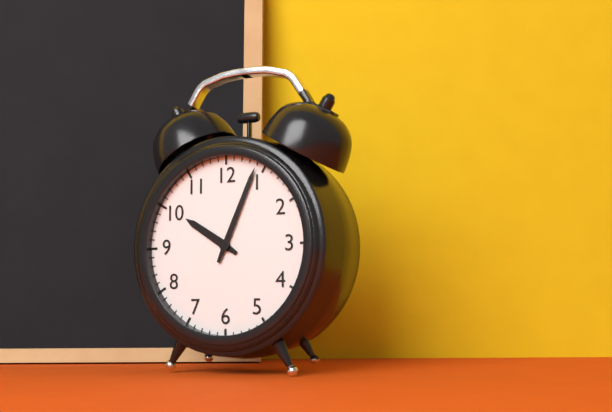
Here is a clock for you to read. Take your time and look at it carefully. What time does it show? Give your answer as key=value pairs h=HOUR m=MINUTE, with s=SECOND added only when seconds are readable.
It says h=10 m=4
